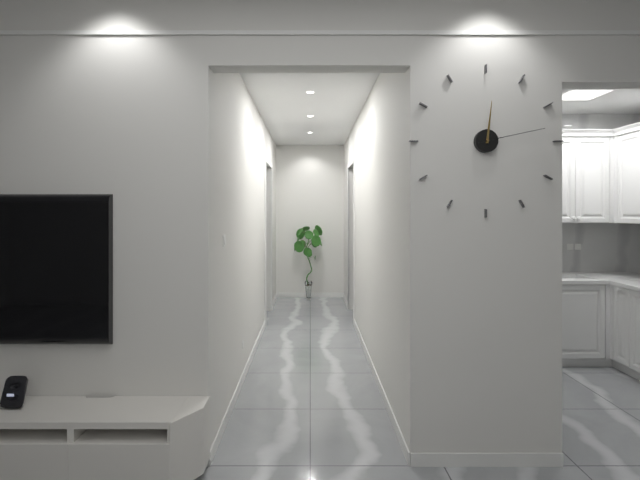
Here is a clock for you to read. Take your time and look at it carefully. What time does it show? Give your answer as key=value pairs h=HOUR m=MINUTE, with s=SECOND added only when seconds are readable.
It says h=12 m=13
